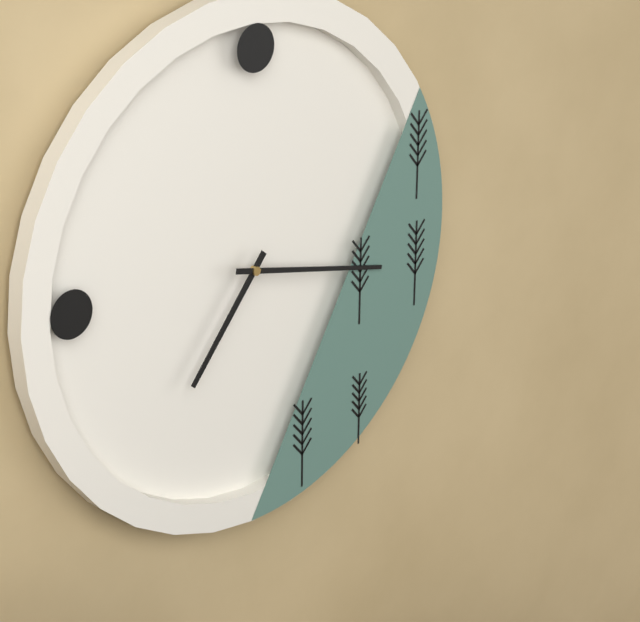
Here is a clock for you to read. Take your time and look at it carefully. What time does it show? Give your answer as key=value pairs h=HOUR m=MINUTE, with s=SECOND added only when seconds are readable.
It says h=7 m=17
